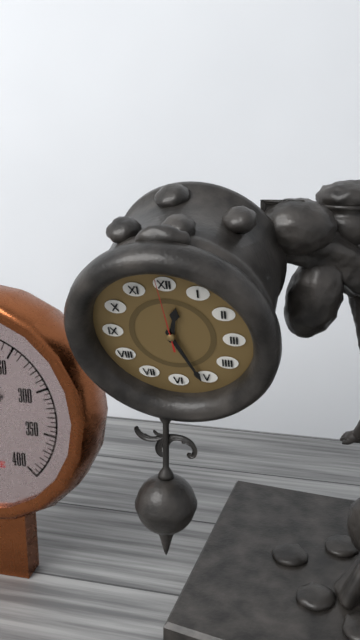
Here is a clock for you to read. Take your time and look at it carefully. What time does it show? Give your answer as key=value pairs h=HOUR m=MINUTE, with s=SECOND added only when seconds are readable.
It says h=12 m=26 s=59
